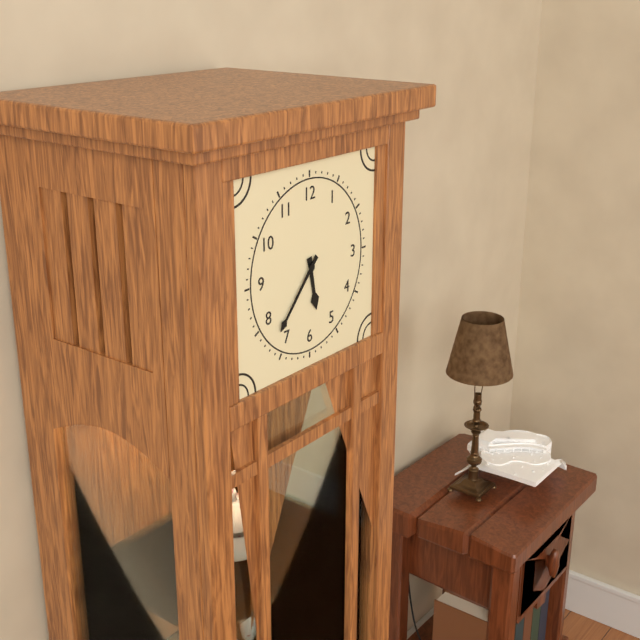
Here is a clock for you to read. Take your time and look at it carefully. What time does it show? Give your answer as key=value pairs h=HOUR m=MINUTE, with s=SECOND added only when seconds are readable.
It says h=5 m=37
